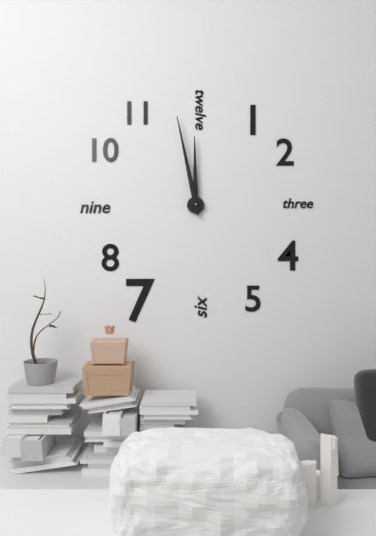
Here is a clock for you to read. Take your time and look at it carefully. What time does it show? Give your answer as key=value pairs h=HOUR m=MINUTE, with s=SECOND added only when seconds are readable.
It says h=11 m=58
